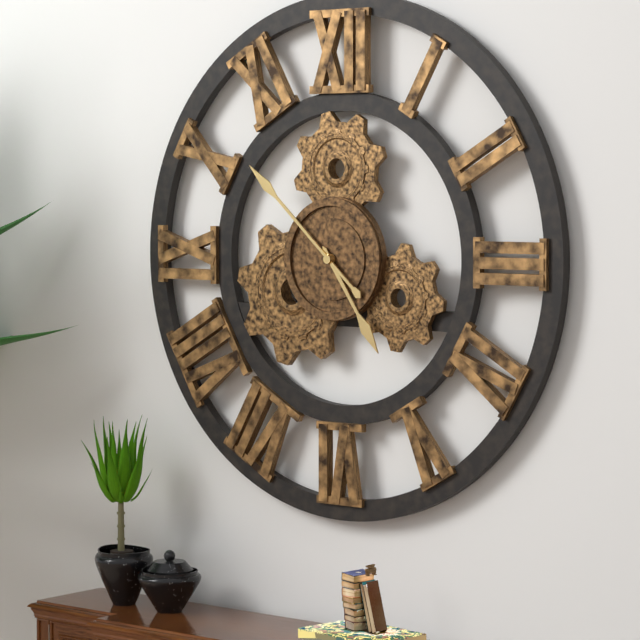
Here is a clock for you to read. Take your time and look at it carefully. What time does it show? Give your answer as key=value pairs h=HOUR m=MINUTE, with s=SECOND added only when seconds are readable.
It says h=4 m=52
